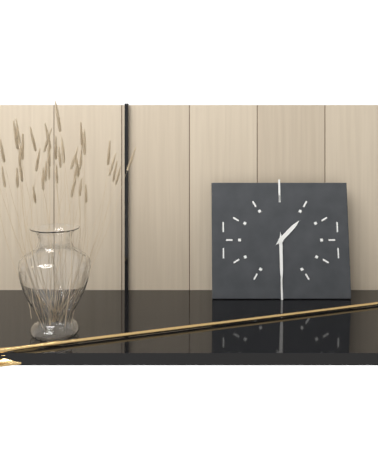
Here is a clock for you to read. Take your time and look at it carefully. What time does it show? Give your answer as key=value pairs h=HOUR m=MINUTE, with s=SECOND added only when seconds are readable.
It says h=1 m=30
